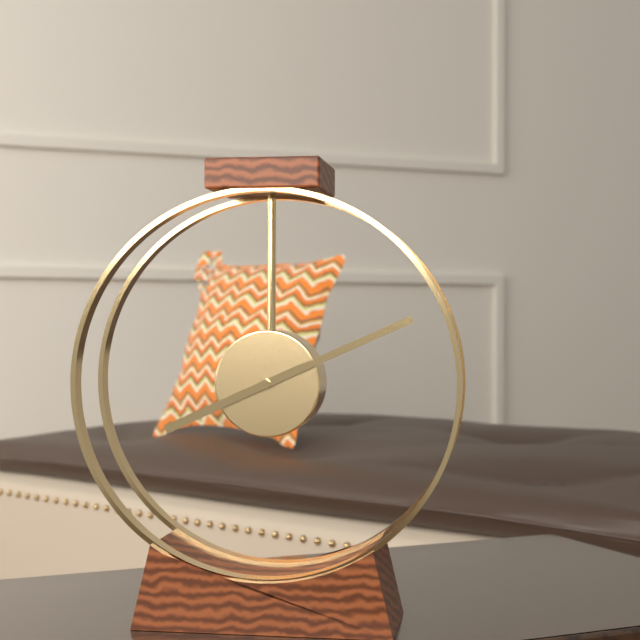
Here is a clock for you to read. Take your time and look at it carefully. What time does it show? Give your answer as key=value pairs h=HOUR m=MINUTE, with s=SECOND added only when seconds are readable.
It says h=8 m=11
